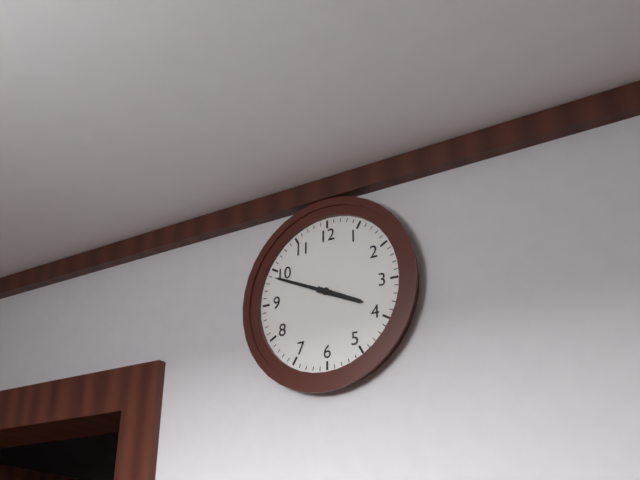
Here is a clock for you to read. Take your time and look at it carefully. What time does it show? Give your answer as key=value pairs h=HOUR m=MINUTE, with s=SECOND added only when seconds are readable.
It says h=3 m=49
